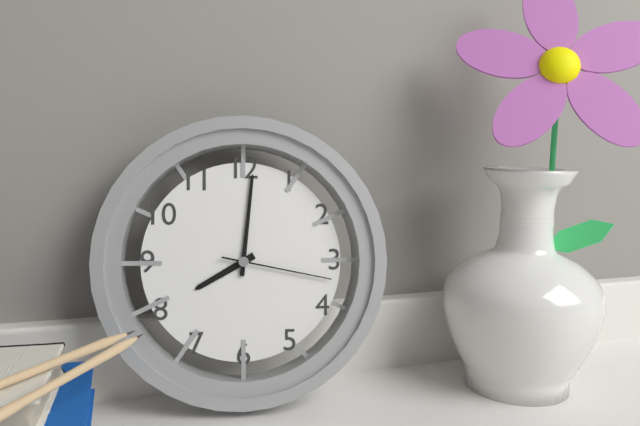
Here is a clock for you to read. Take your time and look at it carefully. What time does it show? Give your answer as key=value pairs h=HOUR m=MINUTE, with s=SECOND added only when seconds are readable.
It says h=8 m=1 s=17
